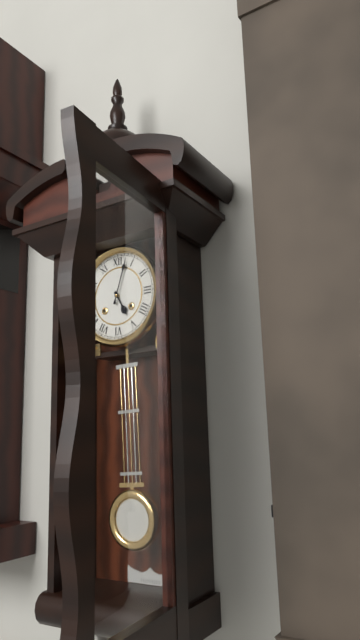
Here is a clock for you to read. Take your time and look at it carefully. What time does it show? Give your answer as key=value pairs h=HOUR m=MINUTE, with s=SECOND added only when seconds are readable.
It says h=5 m=3
